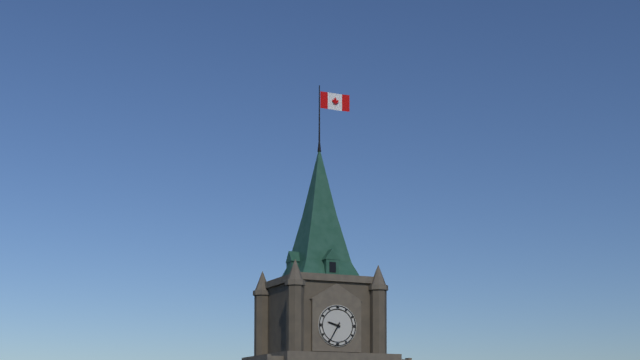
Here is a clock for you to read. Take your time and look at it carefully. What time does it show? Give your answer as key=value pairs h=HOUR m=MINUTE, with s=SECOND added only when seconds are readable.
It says h=9 m=35
